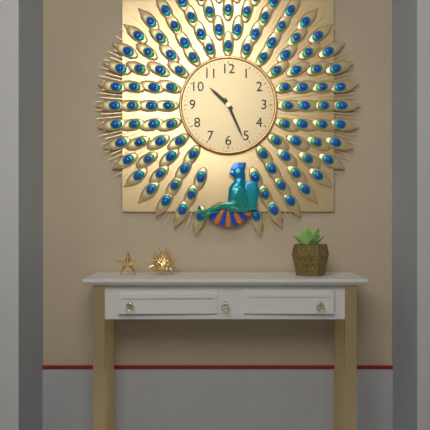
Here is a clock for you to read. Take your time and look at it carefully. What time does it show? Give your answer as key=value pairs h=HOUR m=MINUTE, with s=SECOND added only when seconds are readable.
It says h=10 m=26
